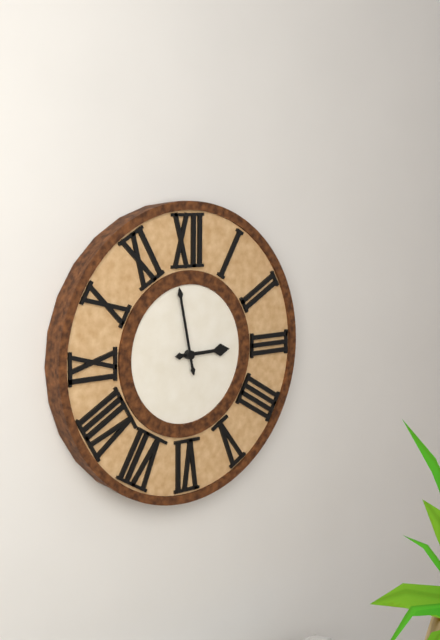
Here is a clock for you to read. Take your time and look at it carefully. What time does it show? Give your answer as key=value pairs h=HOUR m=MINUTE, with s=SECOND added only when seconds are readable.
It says h=2 m=58
